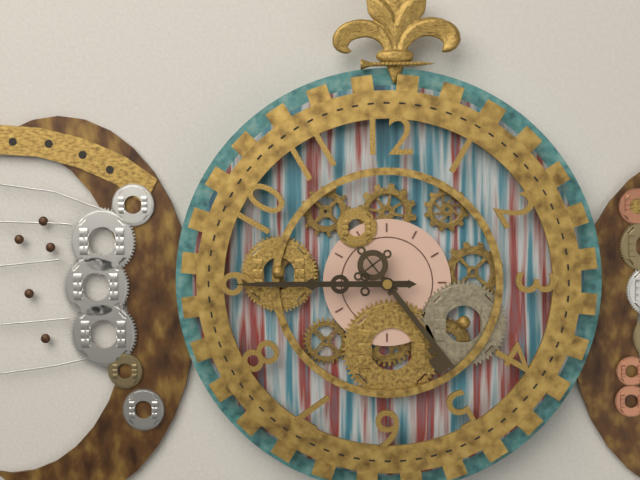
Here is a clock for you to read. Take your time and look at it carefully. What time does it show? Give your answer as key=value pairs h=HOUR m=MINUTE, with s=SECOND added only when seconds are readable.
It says h=4 m=45
